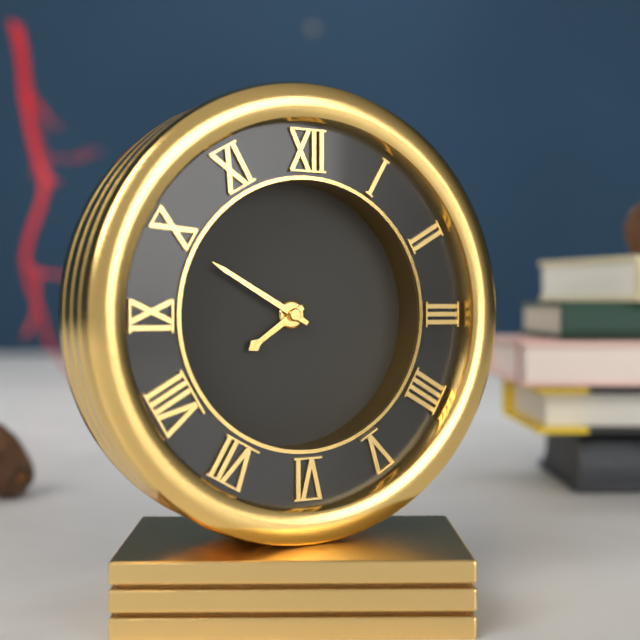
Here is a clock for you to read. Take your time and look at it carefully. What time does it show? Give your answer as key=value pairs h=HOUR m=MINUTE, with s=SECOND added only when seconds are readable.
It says h=7 m=50
